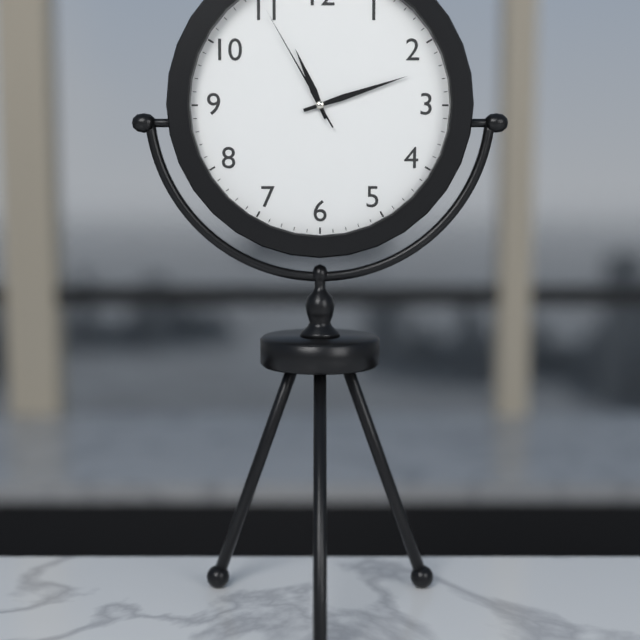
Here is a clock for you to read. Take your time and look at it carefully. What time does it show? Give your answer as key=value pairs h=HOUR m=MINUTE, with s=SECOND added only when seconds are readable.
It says h=11 m=12 s=55
